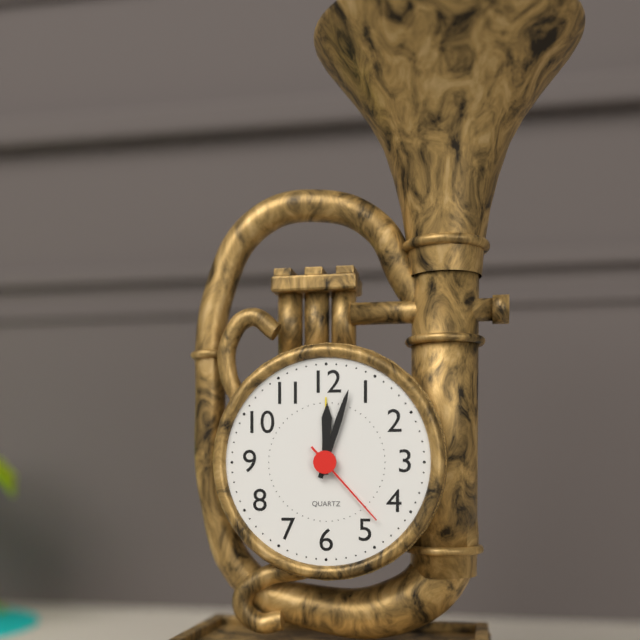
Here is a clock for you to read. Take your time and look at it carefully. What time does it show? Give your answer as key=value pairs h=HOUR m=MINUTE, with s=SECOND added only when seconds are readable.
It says h=12 m=3 s=23
